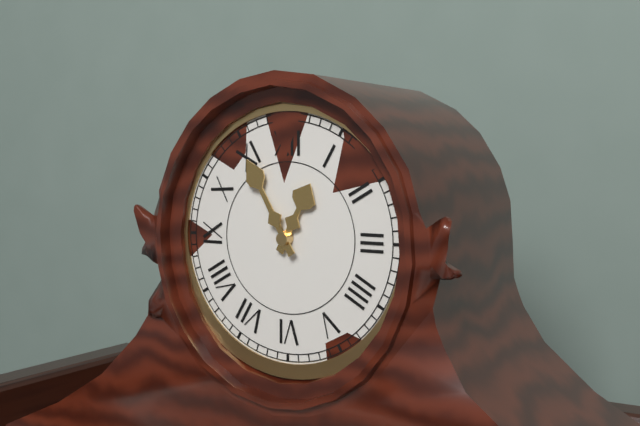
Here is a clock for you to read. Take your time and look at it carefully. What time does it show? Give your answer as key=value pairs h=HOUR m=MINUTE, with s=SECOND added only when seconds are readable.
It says h=12 m=55
